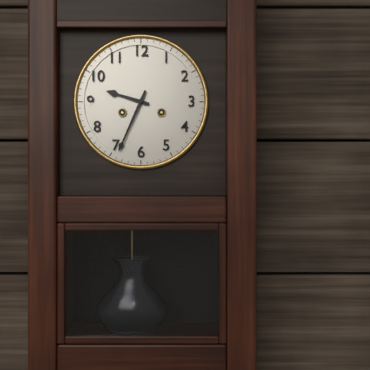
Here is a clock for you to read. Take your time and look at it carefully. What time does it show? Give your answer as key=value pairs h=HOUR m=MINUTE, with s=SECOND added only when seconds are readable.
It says h=9 m=34
